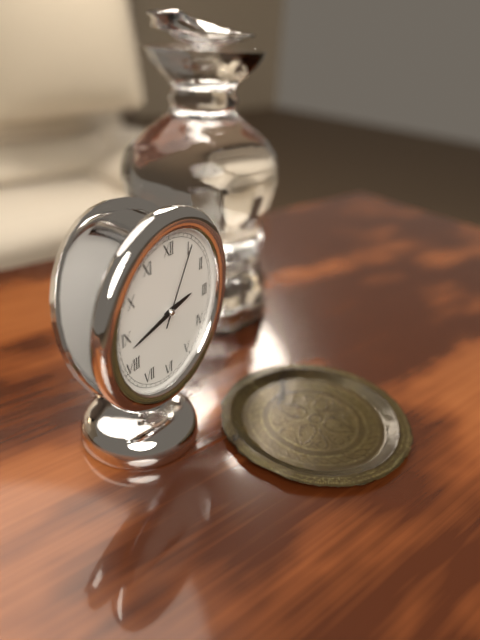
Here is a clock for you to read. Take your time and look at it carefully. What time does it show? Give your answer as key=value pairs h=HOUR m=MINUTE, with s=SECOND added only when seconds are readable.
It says h=2 m=43 s=5
